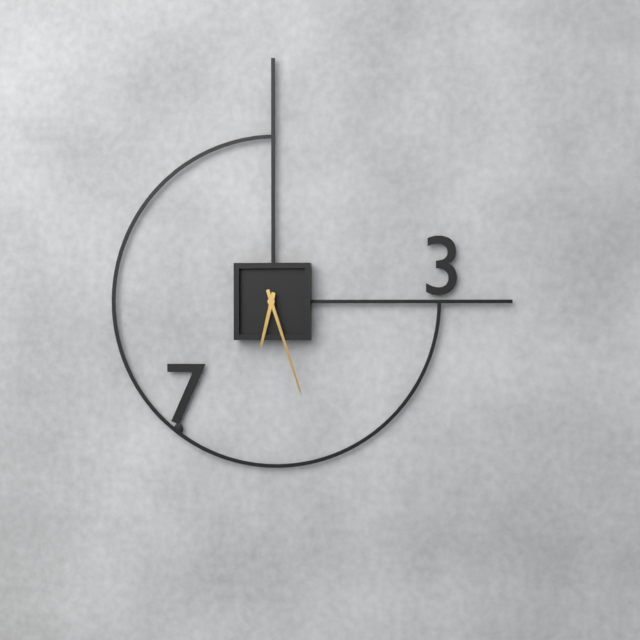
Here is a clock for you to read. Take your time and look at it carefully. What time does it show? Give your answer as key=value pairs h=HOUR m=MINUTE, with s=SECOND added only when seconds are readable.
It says h=6 m=27
